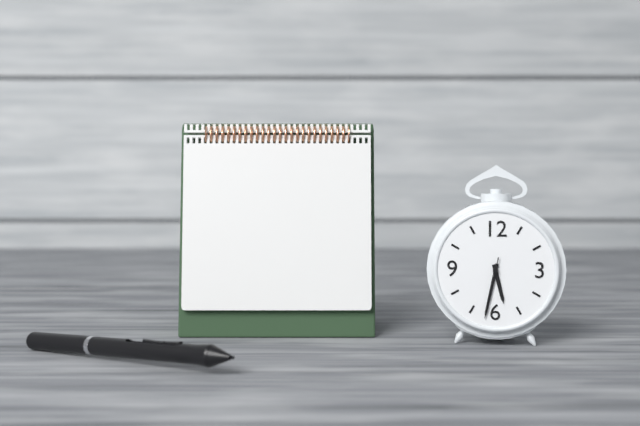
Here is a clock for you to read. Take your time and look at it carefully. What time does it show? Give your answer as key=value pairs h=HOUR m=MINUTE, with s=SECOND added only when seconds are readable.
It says h=5 m=32 s=32
